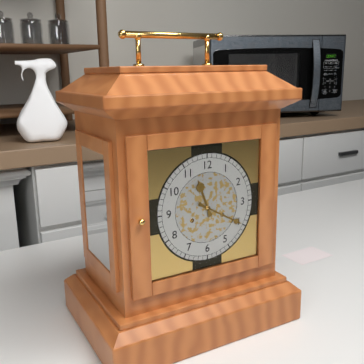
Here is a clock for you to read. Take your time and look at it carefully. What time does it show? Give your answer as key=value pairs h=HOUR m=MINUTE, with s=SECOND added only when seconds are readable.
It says h=11 m=20
